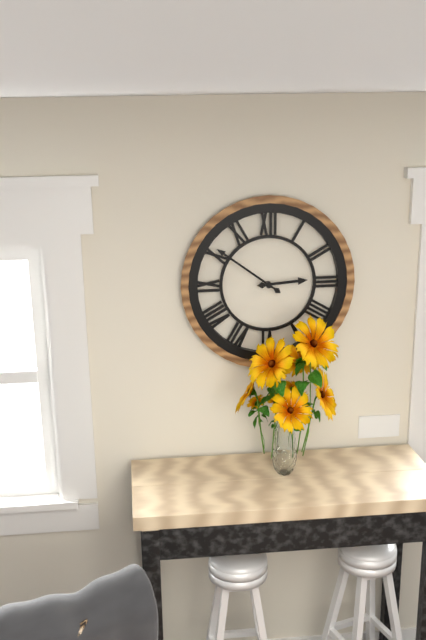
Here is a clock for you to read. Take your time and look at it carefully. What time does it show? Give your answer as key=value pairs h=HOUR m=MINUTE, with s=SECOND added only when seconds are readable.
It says h=2 m=51
